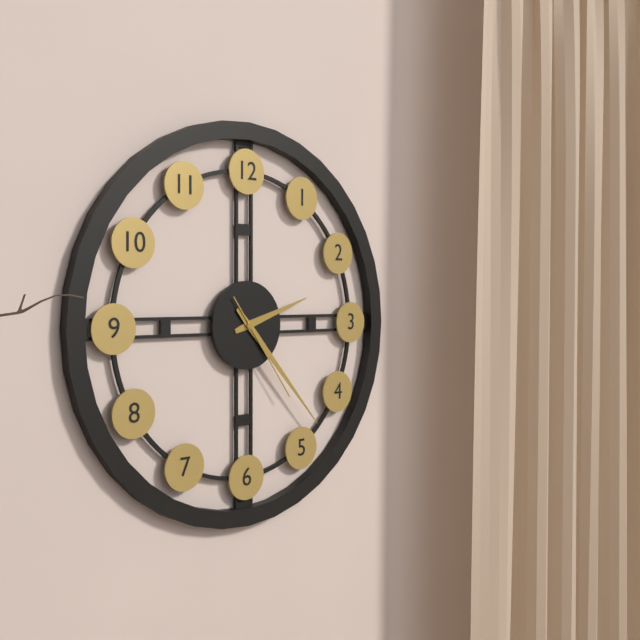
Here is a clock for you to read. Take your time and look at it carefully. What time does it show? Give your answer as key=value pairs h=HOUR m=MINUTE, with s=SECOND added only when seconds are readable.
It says h=2 m=23 s=24
